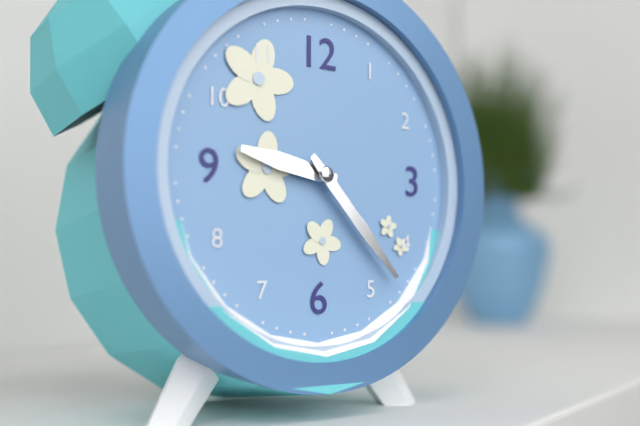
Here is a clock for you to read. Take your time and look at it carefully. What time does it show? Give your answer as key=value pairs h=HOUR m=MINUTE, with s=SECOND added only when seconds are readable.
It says h=9 m=23
